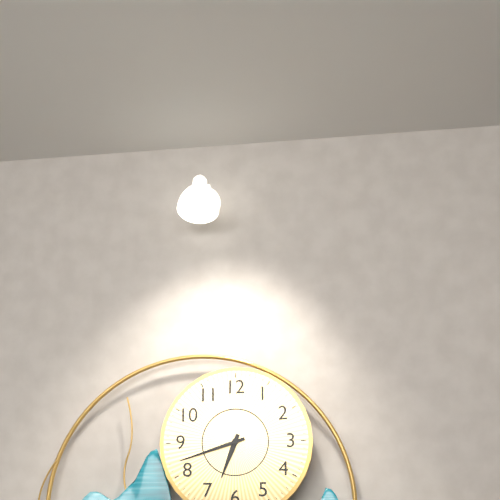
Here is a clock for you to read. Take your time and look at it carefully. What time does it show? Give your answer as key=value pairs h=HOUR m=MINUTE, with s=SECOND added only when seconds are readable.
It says h=6 m=42
